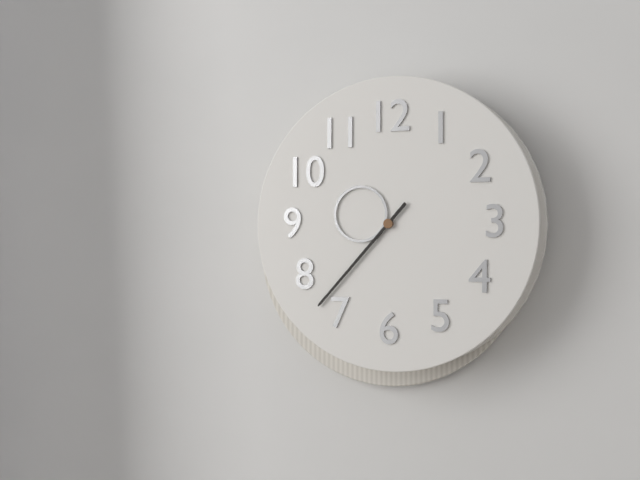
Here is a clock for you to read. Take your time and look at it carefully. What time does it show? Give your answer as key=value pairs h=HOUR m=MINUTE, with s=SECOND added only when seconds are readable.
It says h=9 m=37
